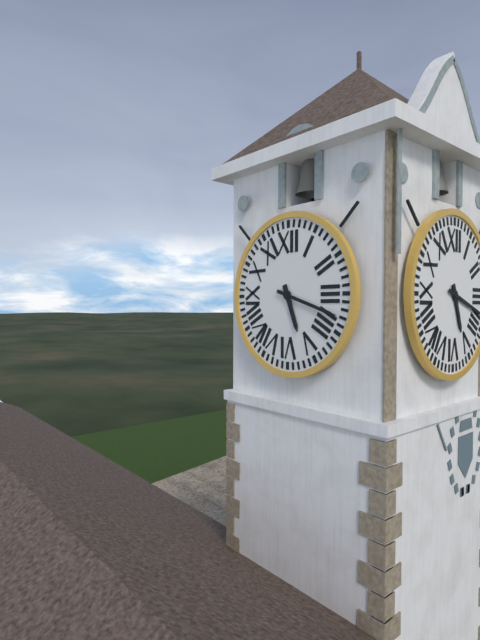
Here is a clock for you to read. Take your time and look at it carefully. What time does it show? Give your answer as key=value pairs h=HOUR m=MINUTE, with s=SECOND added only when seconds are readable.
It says h=5 m=18
